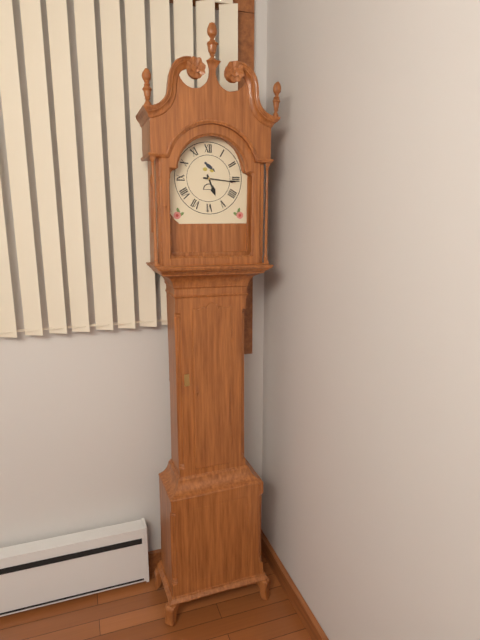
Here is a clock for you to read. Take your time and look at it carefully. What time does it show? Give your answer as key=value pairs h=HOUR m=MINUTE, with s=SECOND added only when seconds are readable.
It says h=5 m=16
